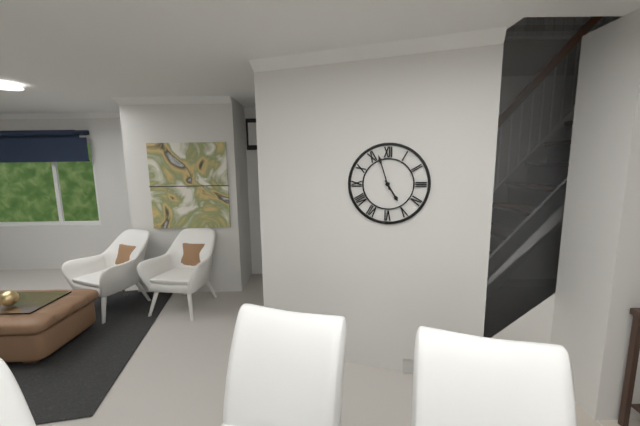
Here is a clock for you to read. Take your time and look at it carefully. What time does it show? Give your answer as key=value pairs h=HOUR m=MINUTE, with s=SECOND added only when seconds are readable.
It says h=4 m=57
